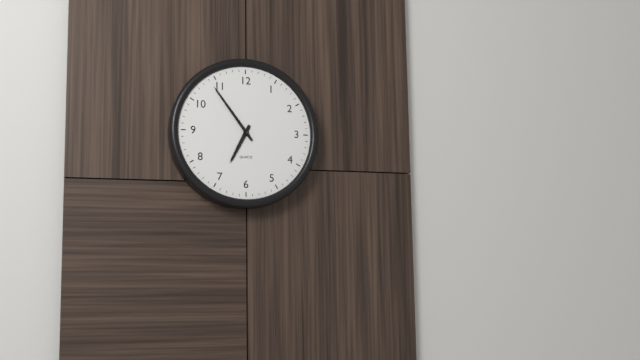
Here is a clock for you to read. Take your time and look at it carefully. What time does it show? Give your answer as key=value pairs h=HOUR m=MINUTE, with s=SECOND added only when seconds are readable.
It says h=6 m=54
